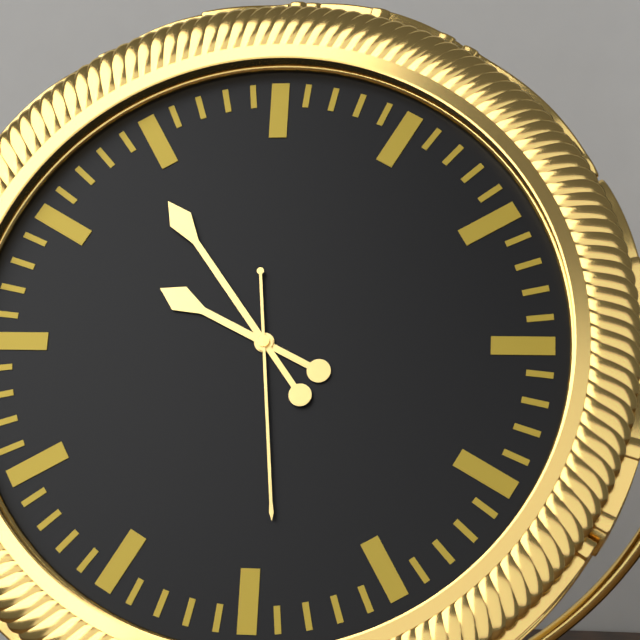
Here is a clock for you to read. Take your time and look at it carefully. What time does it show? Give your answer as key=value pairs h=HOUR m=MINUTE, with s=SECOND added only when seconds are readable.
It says h=9 m=54 s=29
